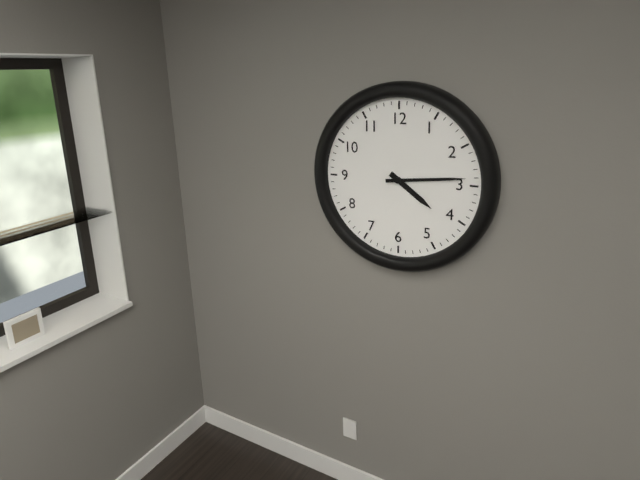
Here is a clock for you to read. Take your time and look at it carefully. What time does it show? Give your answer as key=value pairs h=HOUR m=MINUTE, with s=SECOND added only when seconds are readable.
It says h=4 m=14
